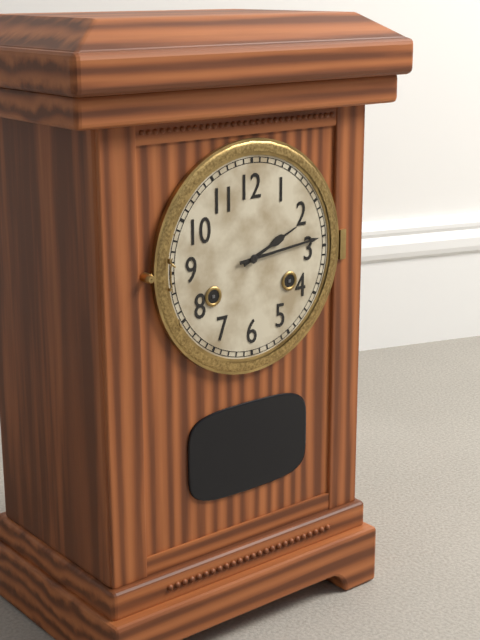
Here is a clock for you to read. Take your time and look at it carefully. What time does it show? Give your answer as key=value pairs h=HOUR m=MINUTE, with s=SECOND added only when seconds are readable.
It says h=2 m=14
